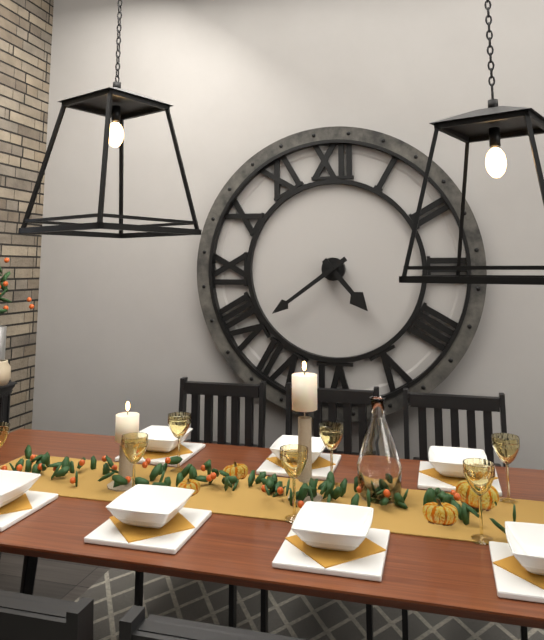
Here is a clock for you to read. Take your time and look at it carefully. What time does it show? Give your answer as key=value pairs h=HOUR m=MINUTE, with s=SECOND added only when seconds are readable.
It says h=4 m=39
